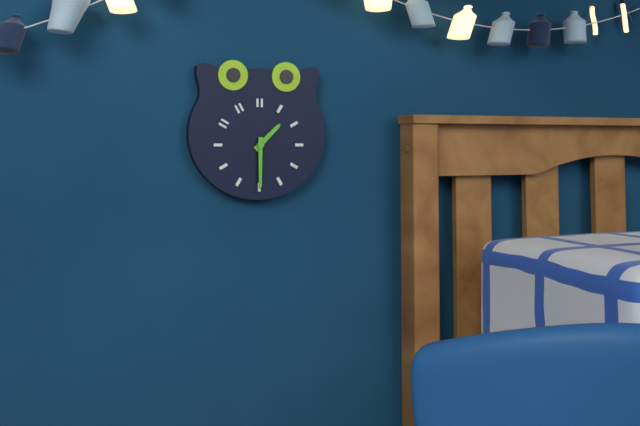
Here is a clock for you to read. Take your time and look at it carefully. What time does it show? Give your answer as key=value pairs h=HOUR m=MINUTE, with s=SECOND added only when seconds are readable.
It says h=1 m=30
